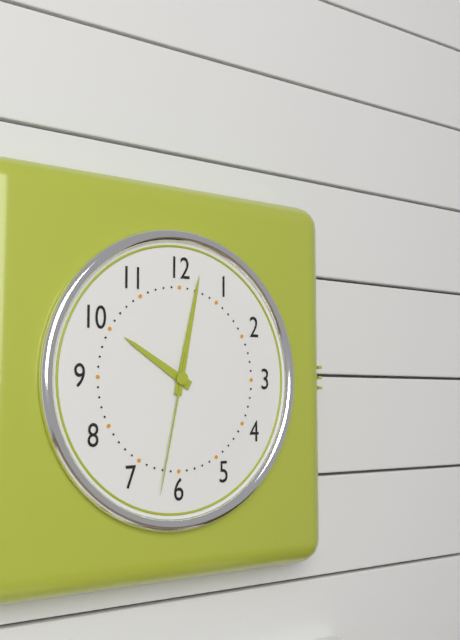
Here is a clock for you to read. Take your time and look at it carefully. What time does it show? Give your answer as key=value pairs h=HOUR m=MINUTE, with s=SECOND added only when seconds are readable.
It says h=10 m=2 s=32
